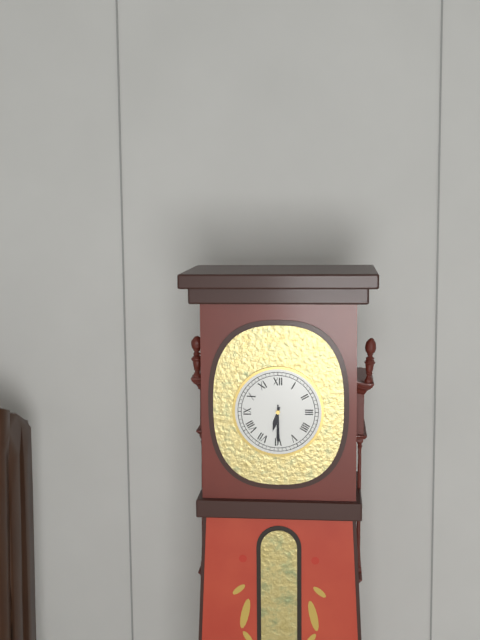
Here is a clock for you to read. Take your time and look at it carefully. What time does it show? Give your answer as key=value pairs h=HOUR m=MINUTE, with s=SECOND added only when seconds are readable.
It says h=6 m=30
